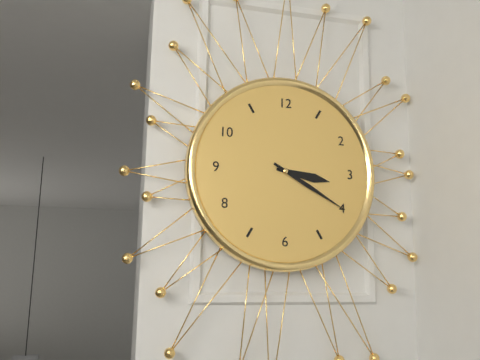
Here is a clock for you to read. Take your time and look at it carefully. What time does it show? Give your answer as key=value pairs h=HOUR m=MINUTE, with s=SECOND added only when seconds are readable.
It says h=3 m=20
